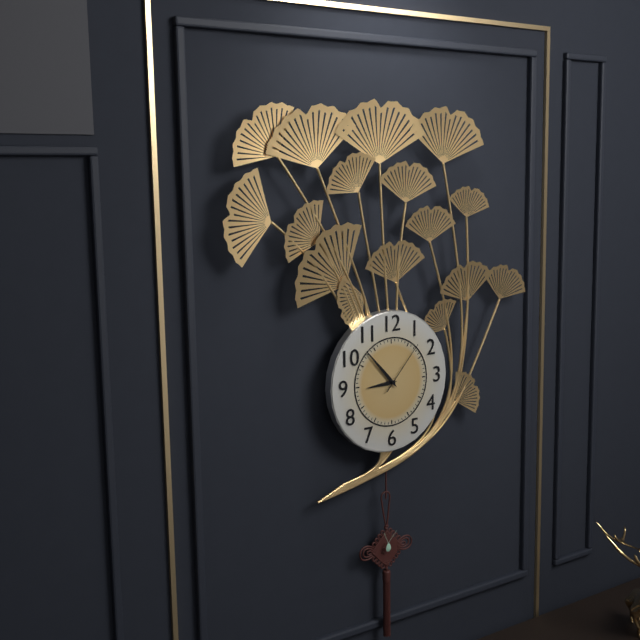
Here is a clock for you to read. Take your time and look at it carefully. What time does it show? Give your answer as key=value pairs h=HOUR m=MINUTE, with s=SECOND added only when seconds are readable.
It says h=8 m=53 s=7
